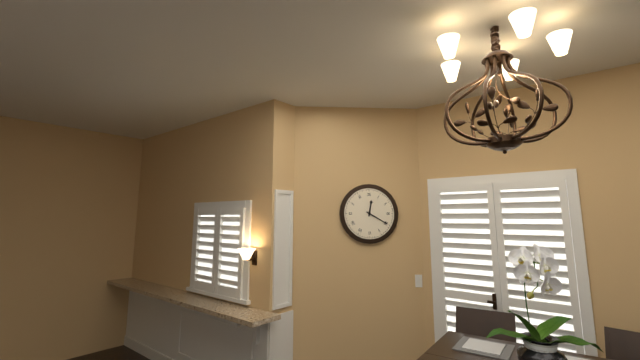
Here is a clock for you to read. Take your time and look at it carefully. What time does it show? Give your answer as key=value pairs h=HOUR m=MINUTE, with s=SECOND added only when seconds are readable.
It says h=12 m=20
